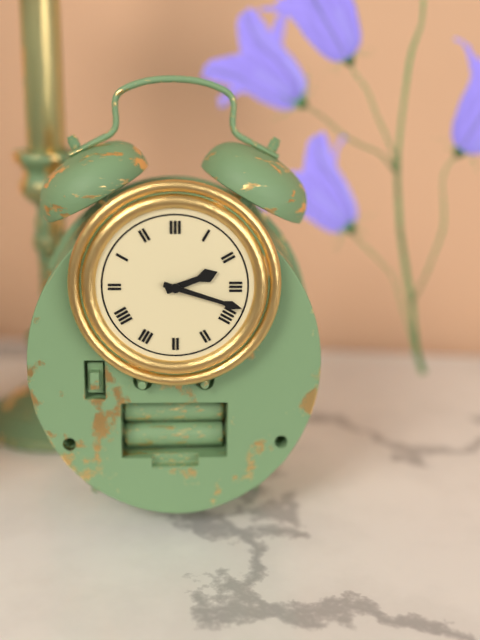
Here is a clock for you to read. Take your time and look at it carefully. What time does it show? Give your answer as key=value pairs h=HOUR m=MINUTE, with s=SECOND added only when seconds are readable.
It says h=2 m=18
